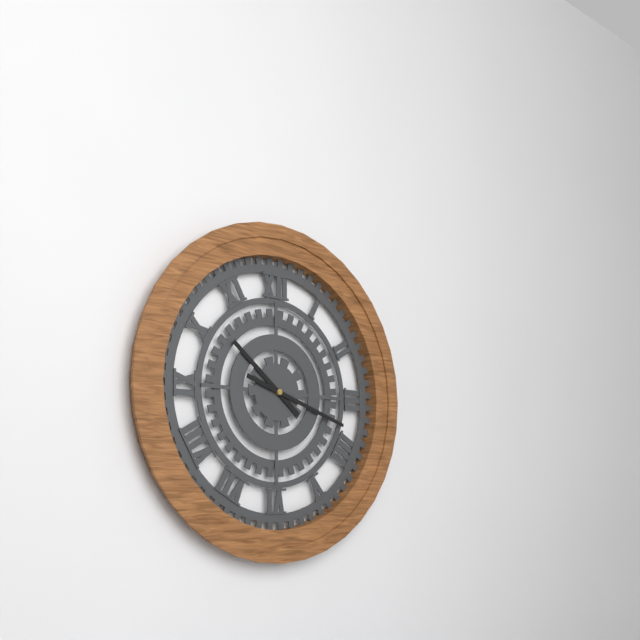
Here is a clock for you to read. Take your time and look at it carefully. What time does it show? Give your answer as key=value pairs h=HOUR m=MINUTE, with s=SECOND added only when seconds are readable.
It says h=10 m=18
